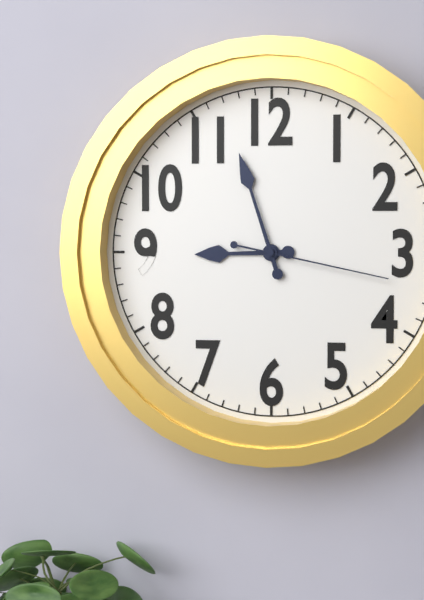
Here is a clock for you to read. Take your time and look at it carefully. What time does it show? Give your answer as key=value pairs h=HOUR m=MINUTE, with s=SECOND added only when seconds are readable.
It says h=8 m=57 s=17
